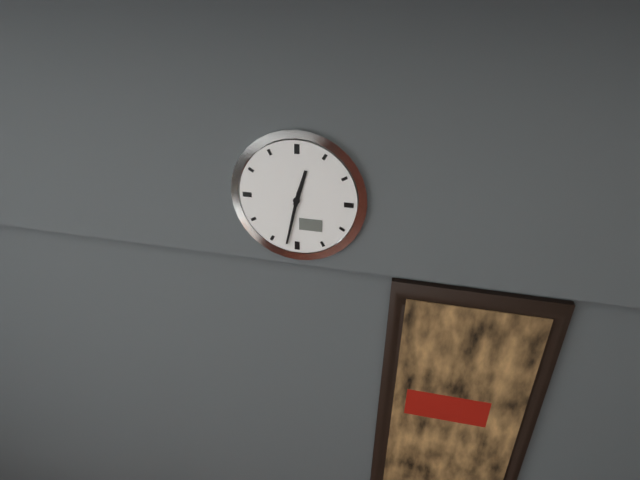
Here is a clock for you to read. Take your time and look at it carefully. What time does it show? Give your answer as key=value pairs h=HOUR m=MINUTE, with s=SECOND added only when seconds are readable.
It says h=12 m=32
